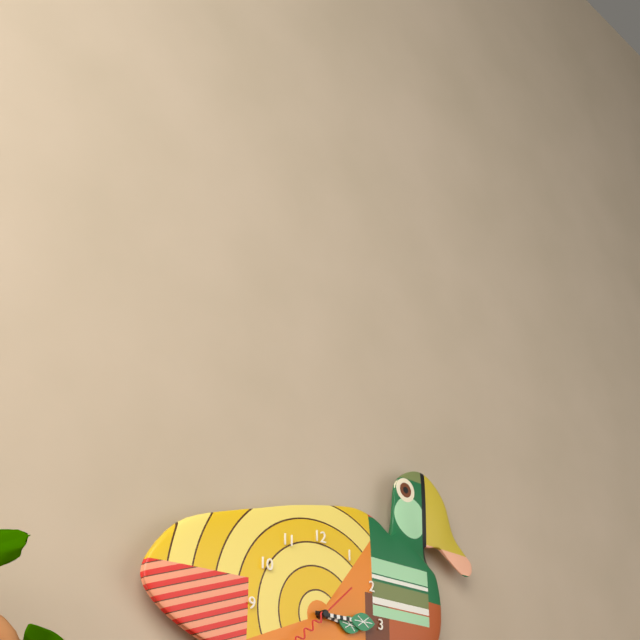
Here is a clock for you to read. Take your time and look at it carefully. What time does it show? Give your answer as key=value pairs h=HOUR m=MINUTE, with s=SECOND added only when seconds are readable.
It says h=3 m=15
